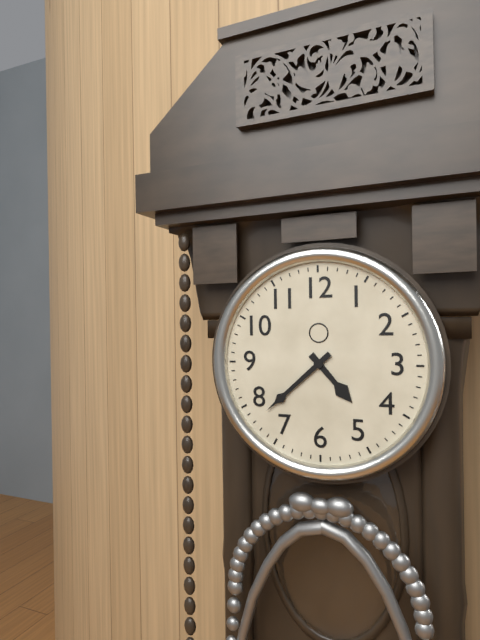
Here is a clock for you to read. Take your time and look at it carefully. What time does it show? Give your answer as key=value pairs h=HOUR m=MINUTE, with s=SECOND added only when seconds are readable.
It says h=4 m=38
